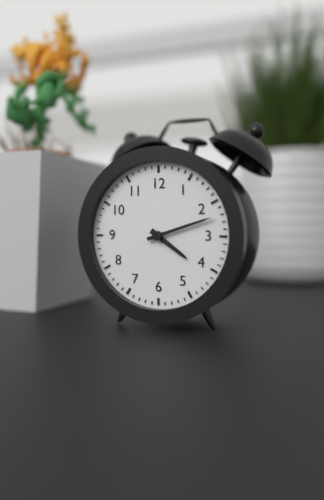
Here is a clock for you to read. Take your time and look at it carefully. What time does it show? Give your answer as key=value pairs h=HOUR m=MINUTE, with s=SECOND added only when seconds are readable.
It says h=4 m=12
